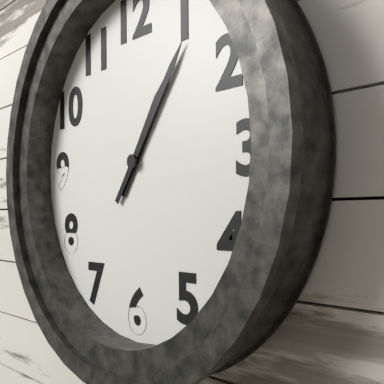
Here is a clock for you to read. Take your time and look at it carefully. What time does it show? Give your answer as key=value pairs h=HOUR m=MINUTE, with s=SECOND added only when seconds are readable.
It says h=1 m=6
